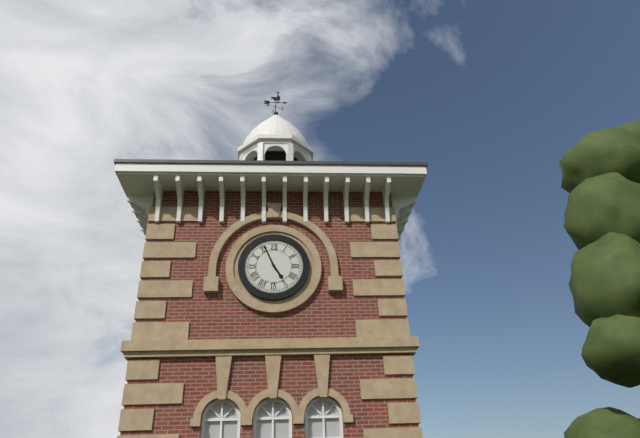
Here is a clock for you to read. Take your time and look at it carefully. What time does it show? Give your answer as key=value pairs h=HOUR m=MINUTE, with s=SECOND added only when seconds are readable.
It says h=4 m=56
